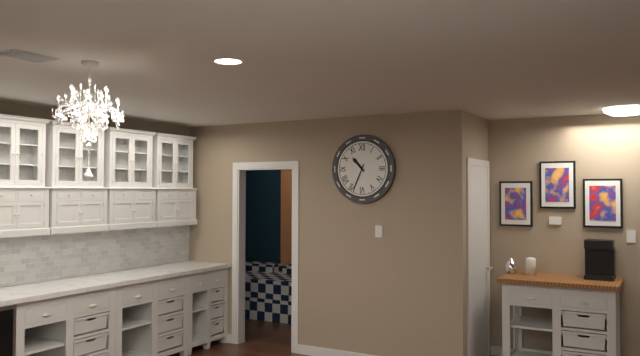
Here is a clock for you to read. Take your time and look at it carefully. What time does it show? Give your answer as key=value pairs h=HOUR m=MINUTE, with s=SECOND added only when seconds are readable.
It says h=10 m=34
